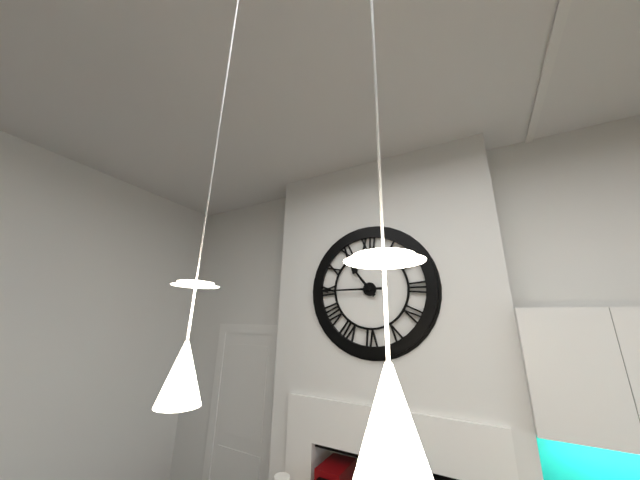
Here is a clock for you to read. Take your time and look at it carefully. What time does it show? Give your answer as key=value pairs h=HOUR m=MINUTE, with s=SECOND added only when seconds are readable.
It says h=10 m=45
